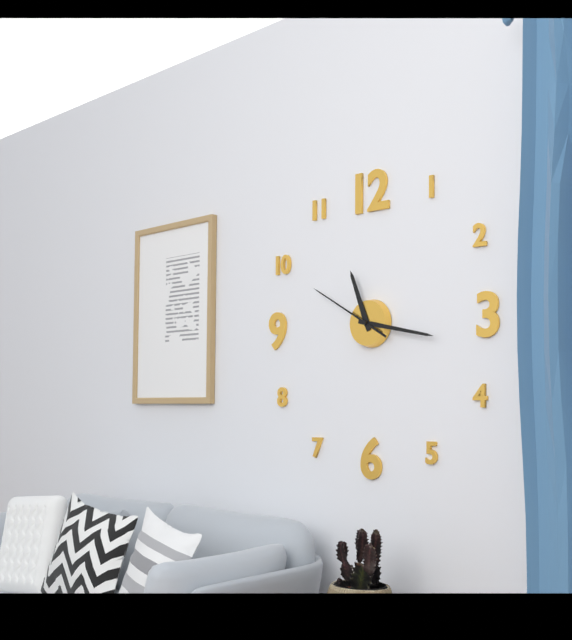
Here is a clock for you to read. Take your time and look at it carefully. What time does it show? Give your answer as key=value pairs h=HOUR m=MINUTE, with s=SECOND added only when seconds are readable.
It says h=11 m=17 s=50
